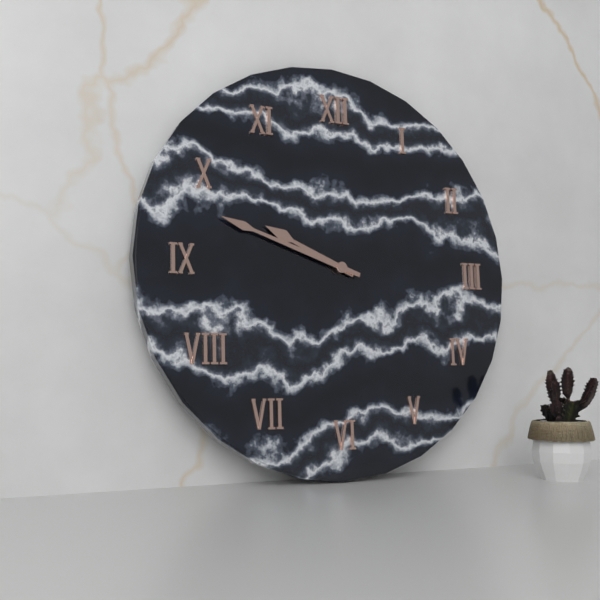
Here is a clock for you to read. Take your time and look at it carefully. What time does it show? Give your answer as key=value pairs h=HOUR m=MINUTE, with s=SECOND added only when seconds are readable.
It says h=9 m=48
